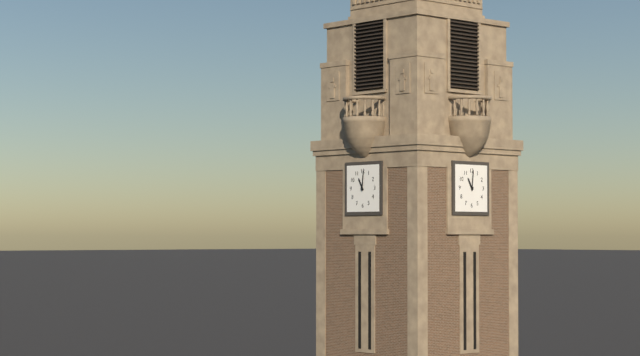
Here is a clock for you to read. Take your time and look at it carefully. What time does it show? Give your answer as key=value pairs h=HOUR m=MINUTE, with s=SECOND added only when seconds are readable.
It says h=11 m=1
